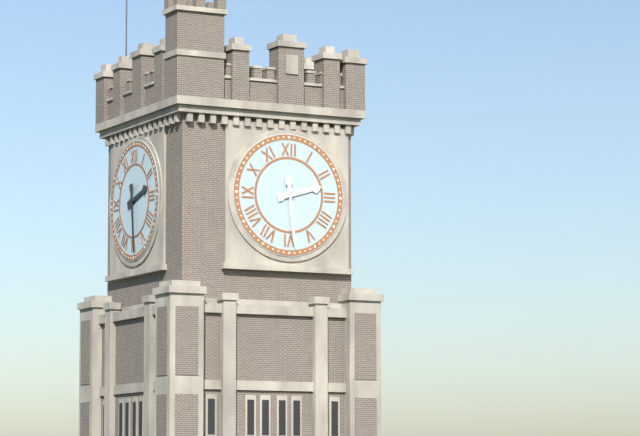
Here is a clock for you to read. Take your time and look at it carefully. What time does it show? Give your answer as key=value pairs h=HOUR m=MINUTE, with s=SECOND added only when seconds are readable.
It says h=2 m=29
